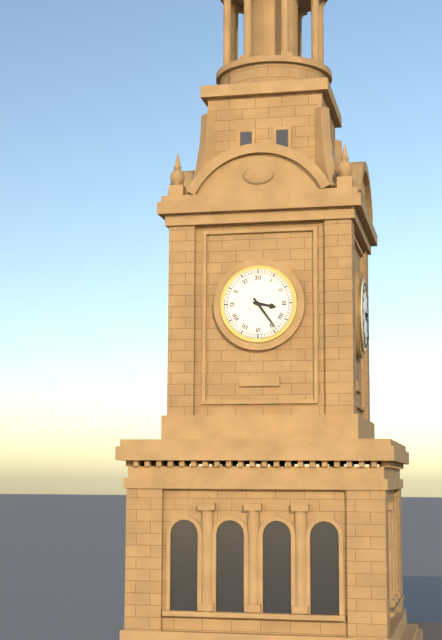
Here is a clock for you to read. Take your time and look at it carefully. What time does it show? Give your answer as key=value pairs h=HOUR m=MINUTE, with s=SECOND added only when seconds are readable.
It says h=3 m=24
